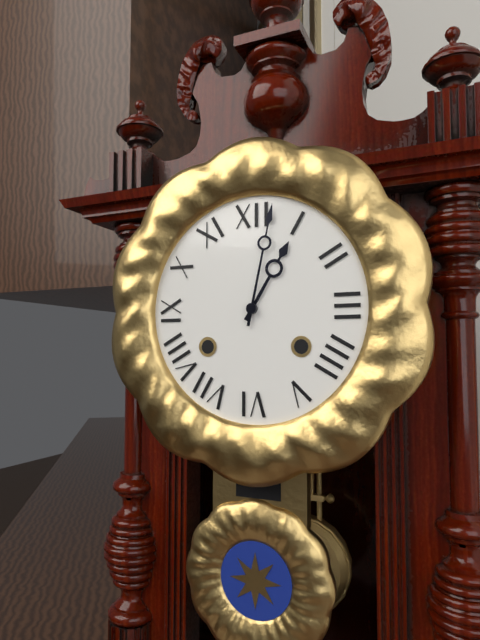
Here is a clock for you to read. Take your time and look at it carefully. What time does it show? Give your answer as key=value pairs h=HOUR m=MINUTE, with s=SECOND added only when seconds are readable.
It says h=1 m=2
